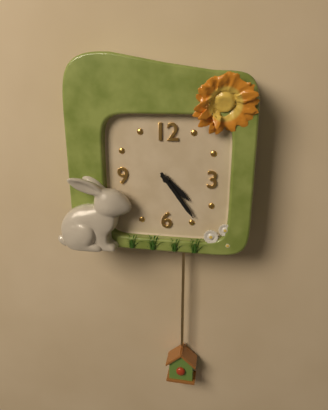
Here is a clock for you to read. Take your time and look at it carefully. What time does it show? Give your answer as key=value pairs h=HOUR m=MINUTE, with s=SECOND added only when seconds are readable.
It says h=4 m=24
